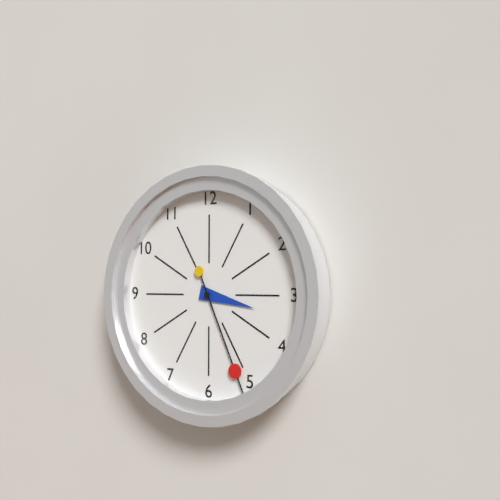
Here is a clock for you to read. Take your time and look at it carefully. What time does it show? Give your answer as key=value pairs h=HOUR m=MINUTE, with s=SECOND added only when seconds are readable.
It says h=3 m=26
